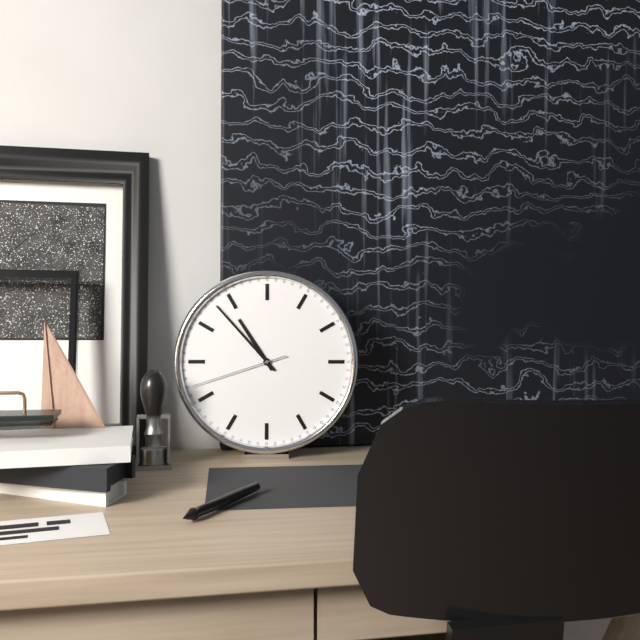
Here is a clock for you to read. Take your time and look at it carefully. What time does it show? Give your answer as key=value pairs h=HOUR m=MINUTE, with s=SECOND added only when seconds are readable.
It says h=10 m=53 s=42
